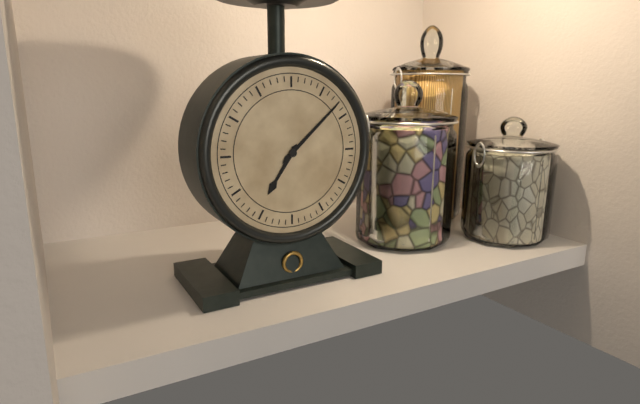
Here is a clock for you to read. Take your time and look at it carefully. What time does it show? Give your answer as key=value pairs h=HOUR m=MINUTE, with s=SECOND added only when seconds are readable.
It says h=7 m=8
